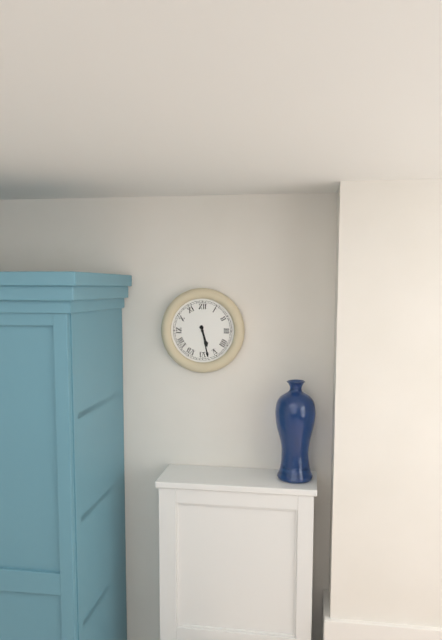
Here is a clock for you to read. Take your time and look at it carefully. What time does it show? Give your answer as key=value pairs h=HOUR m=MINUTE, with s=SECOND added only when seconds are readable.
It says h=5 m=28
